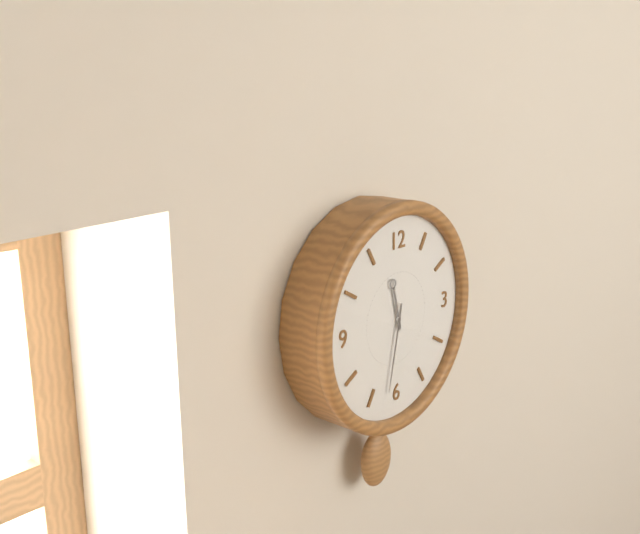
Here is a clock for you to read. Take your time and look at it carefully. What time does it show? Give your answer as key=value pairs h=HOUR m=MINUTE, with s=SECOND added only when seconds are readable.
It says h=11 m=32
